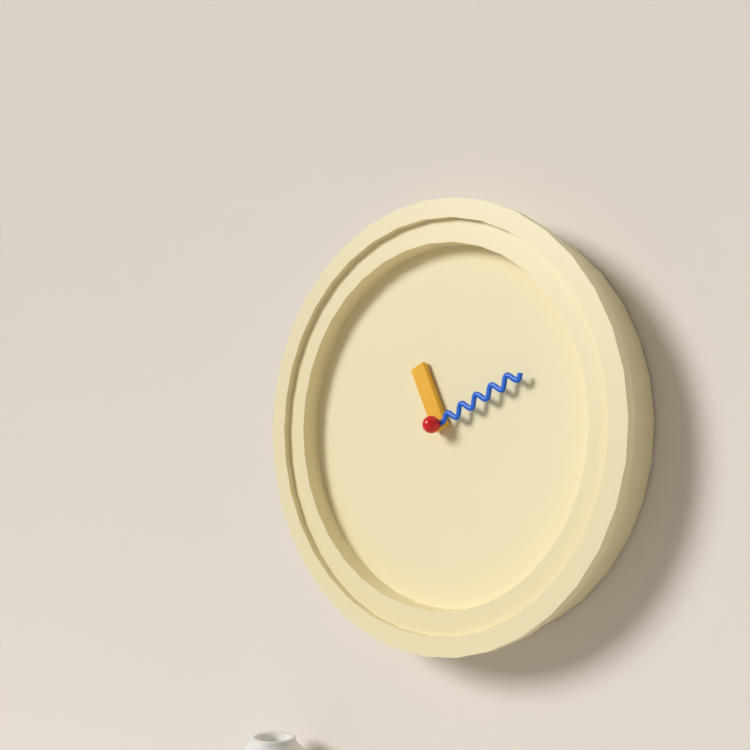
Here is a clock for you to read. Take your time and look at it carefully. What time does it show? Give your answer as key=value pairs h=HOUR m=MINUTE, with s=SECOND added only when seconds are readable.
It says h=11 m=11
